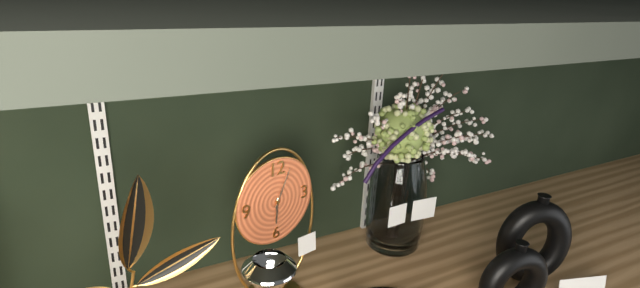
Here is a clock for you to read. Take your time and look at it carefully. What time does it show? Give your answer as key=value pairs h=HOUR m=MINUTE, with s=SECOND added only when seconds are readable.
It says h=6 m=4
